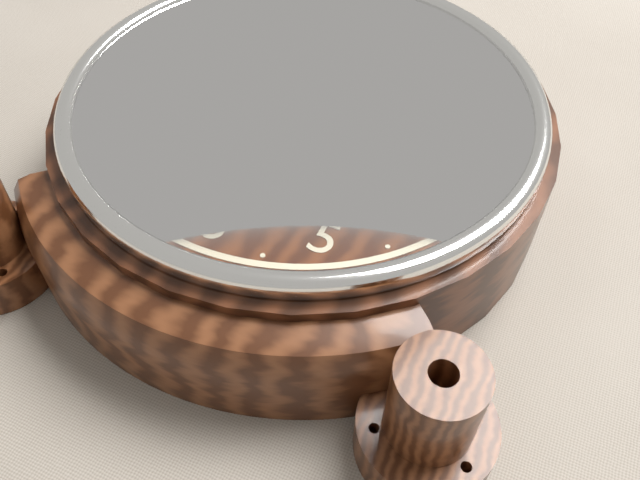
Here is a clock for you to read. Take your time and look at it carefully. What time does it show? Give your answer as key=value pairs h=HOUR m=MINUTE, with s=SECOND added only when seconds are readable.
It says h=1 m=44
